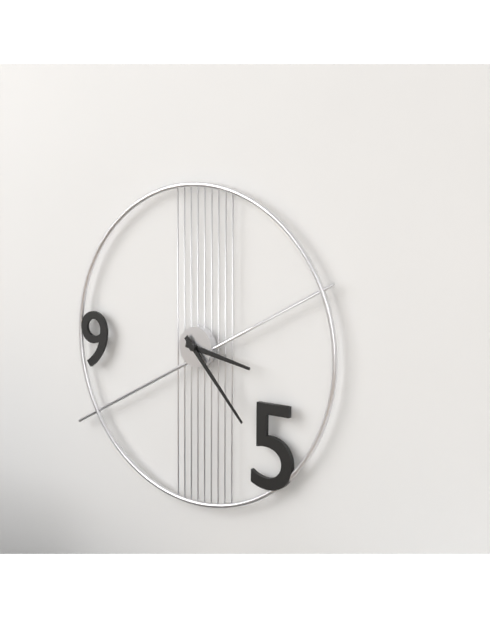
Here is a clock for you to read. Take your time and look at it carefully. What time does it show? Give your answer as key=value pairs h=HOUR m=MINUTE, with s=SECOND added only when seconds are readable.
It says h=3 m=23
